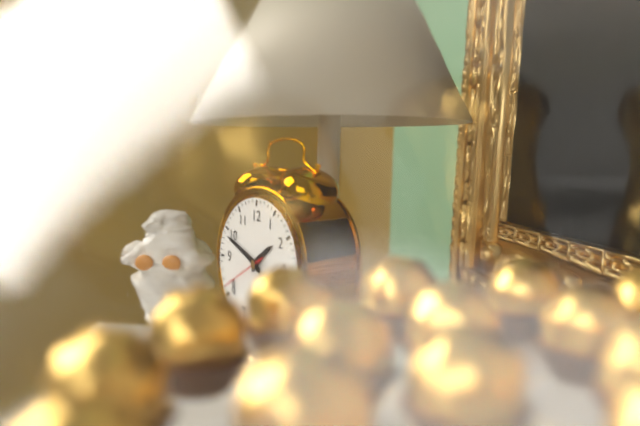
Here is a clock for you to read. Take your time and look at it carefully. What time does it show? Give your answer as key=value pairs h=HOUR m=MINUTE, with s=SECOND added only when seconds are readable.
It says h=1 m=49
